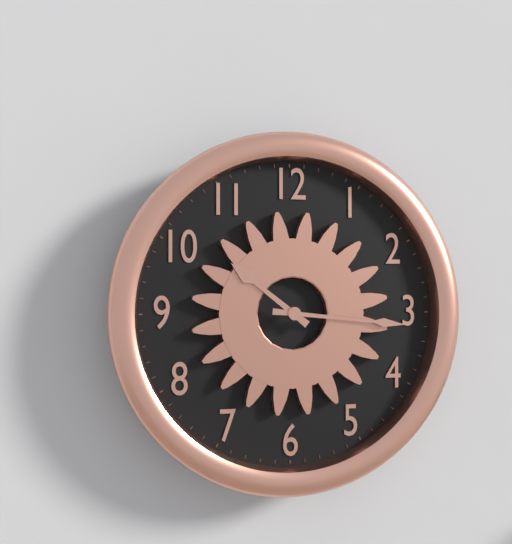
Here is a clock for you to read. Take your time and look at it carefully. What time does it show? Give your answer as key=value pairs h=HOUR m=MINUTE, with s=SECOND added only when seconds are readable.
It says h=10 m=16
